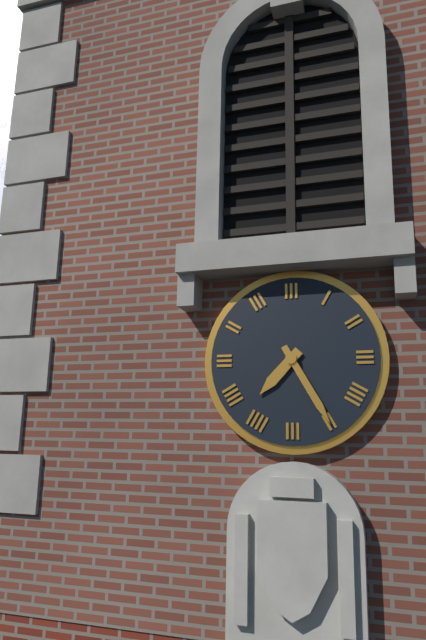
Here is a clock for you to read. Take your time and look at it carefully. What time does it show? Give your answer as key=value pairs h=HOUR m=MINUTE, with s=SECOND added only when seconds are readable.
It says h=7 m=25
